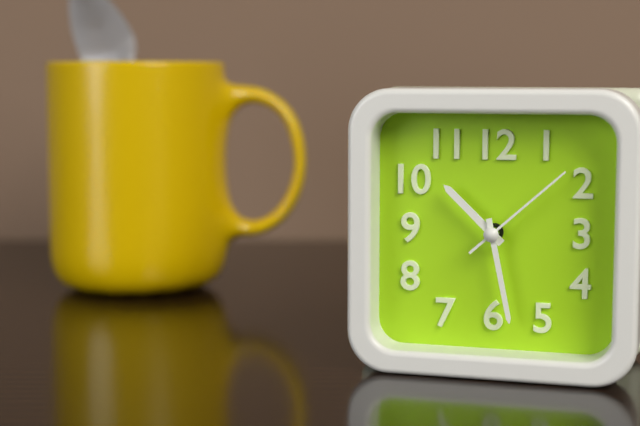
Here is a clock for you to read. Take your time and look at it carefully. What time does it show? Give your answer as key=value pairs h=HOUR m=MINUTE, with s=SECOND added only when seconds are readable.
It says h=10 m=28 s=8
